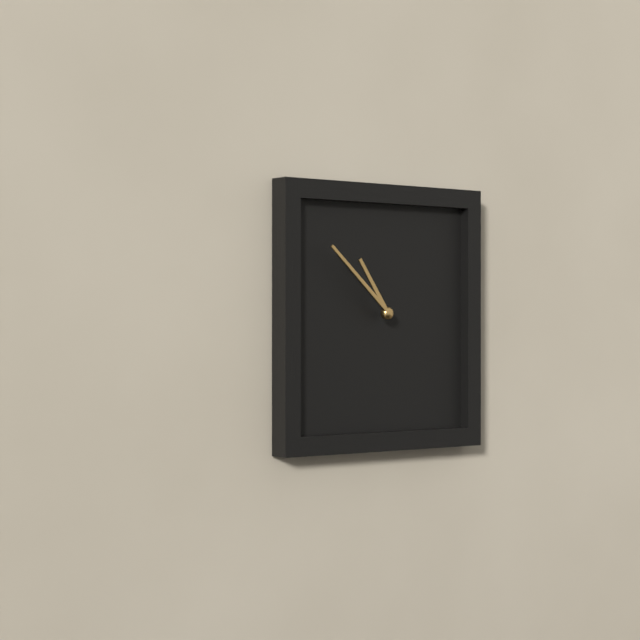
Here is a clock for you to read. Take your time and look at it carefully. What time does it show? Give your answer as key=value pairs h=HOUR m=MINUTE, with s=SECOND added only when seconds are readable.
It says h=10 m=52
